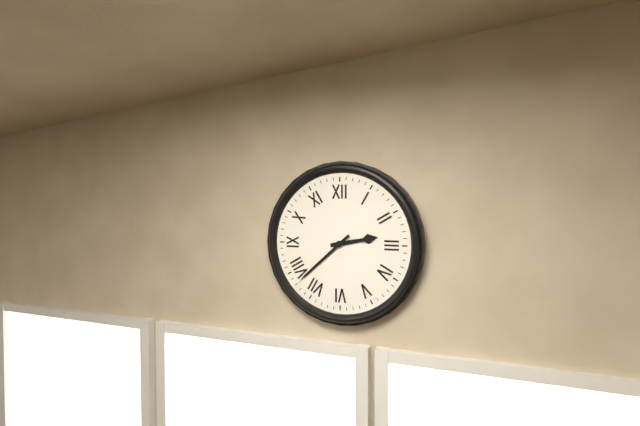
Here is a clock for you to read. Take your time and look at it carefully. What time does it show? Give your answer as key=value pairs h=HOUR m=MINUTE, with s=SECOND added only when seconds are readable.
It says h=2 m=38
